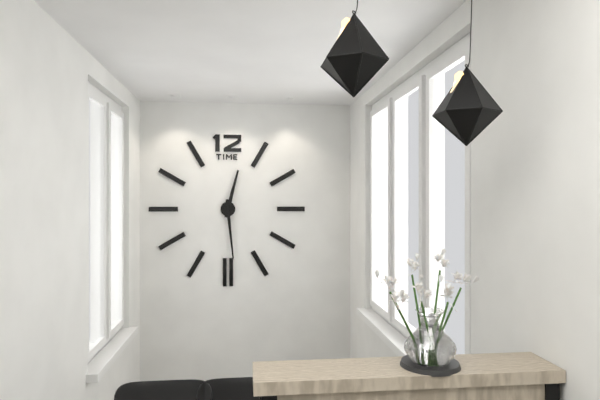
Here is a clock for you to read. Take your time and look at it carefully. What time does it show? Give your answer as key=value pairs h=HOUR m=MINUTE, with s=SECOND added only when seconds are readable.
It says h=12 m=29
